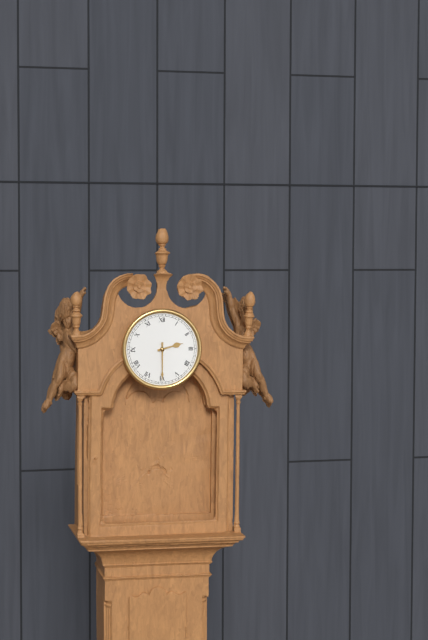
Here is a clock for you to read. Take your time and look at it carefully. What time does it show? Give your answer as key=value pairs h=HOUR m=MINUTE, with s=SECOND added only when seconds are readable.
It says h=2 m=30
